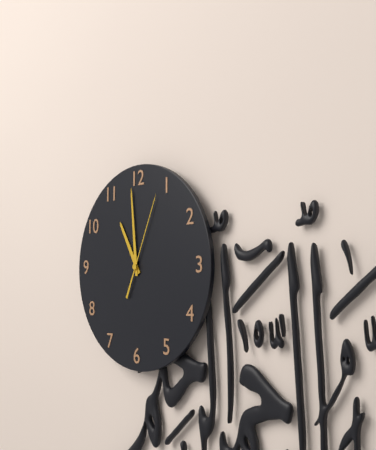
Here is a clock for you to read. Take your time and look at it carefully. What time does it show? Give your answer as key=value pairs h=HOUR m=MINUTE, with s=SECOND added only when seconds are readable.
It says h=10 m=59 s=4
